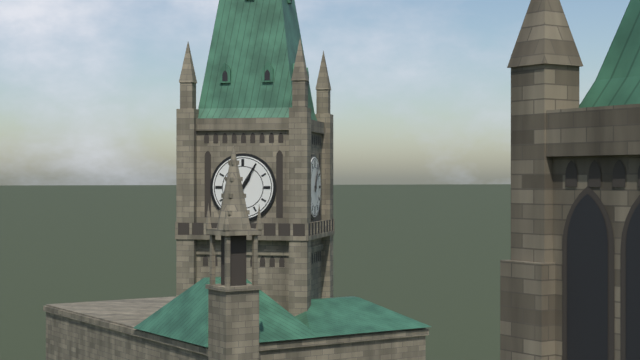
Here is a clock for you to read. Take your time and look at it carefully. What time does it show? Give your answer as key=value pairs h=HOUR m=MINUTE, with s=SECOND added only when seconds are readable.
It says h=1 m=5
